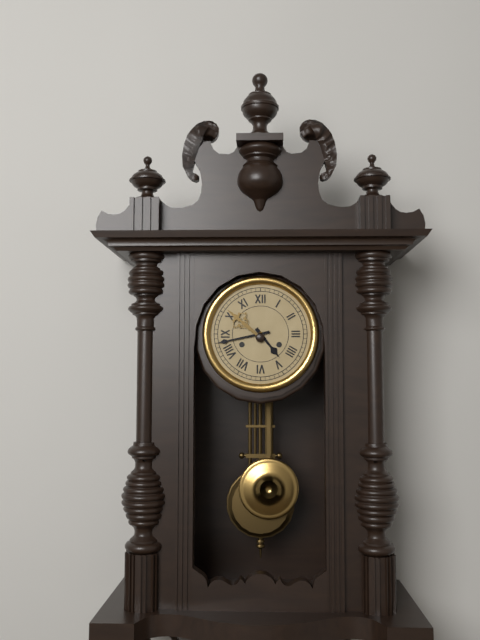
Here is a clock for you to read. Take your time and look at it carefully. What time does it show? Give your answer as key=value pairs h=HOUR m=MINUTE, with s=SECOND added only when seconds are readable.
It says h=4 m=43
